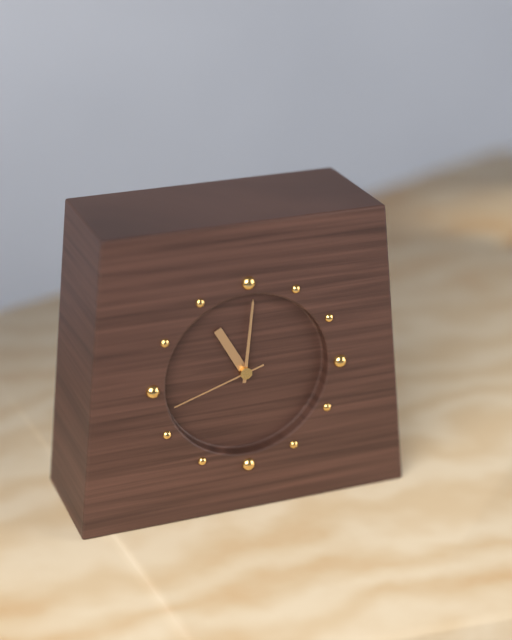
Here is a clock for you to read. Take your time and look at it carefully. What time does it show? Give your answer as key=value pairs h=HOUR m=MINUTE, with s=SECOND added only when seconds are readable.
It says h=11 m=1 s=42
